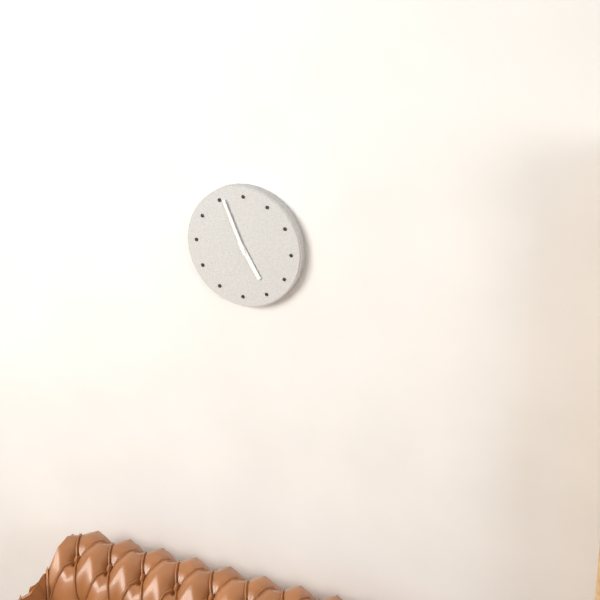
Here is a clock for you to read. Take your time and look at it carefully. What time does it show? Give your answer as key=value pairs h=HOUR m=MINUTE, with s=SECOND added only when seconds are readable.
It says h=4 m=56
